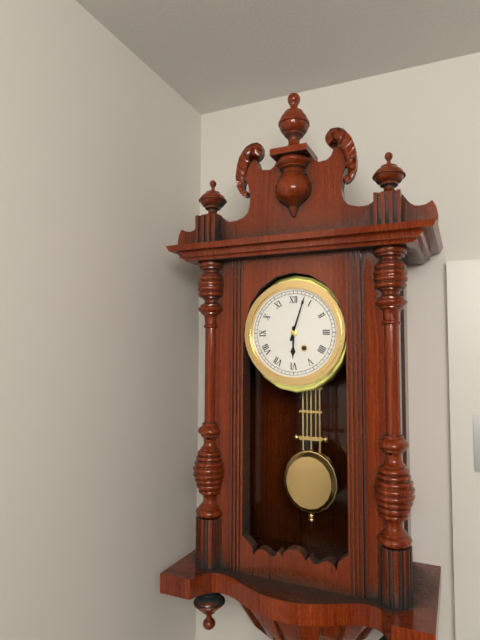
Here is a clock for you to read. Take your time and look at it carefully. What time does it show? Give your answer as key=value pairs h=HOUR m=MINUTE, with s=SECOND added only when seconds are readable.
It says h=6 m=3
